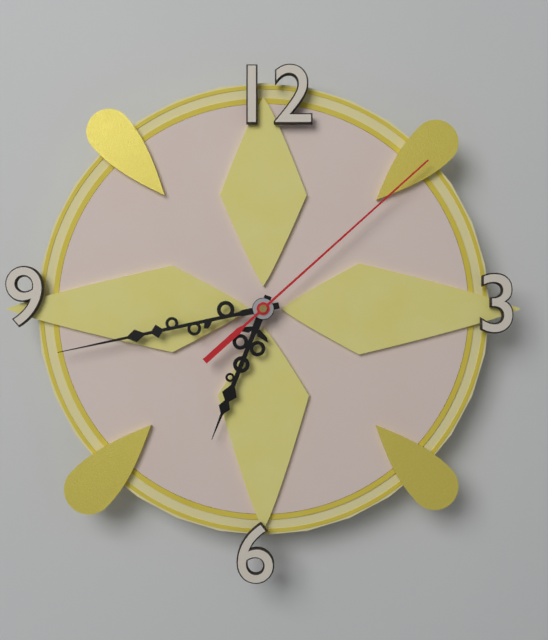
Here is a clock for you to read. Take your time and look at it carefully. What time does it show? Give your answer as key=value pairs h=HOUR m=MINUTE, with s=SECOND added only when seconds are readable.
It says h=6 m=43 s=8
